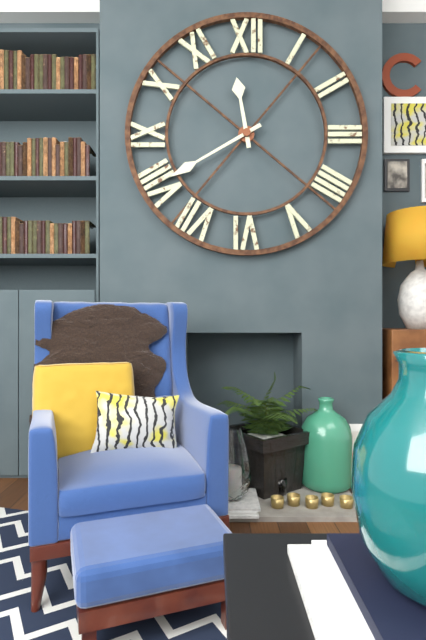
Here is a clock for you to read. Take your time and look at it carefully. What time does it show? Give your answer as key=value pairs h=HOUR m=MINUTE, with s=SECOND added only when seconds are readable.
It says h=11 m=40
